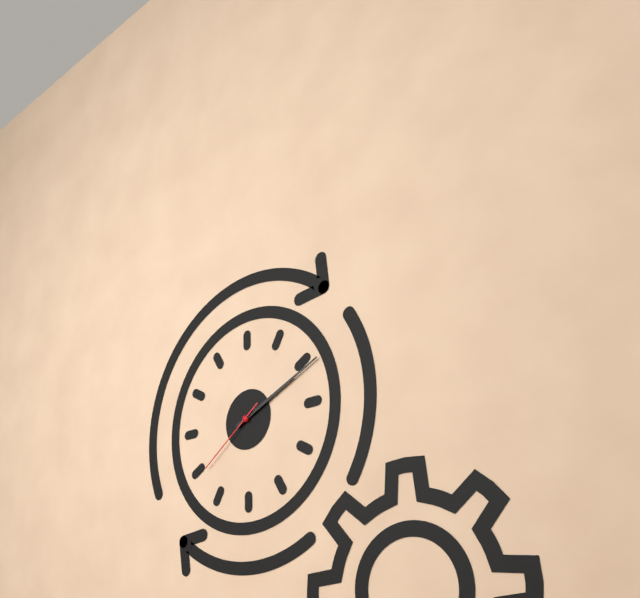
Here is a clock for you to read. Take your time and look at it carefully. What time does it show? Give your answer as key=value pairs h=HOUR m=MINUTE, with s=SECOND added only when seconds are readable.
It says h=2 m=11 s=39
